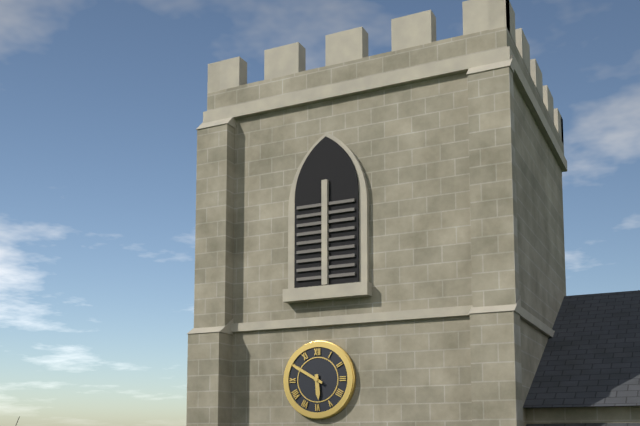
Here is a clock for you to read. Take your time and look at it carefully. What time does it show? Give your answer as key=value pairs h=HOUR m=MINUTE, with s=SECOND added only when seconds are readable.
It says h=5 m=50
